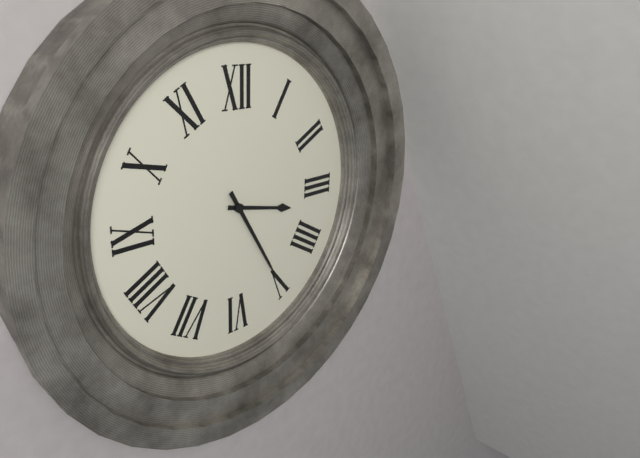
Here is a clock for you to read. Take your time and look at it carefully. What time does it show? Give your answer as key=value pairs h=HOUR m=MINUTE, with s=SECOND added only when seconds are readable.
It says h=3 m=25
